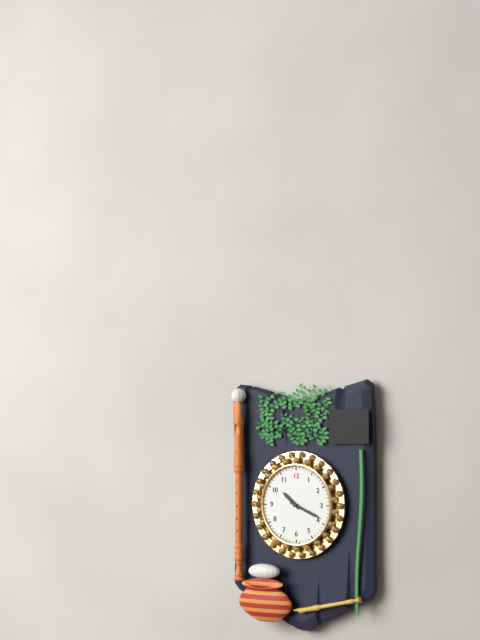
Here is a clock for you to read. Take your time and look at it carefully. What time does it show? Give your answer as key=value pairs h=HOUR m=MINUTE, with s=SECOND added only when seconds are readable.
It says h=10 m=19
